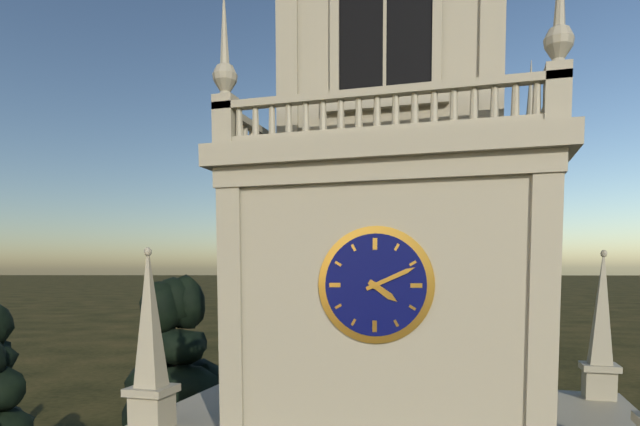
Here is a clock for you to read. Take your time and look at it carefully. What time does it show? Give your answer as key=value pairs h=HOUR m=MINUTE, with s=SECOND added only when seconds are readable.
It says h=4 m=11
